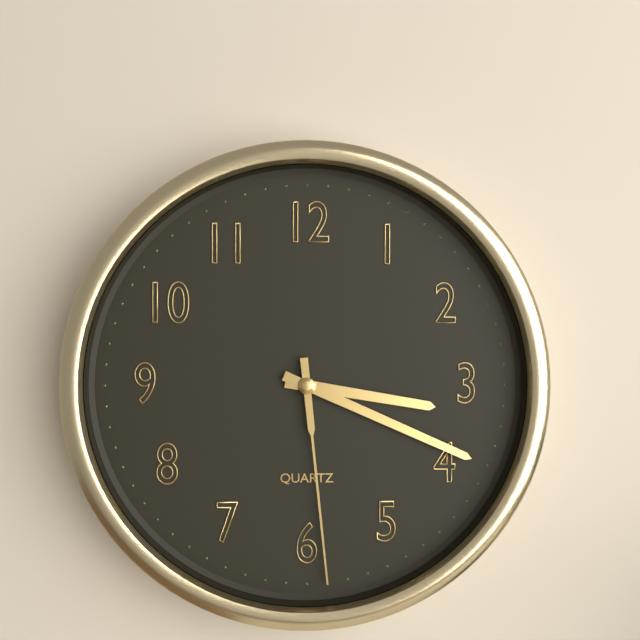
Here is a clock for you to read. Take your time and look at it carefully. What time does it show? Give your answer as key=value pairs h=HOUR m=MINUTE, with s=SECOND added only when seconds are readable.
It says h=3 m=19 s=29
